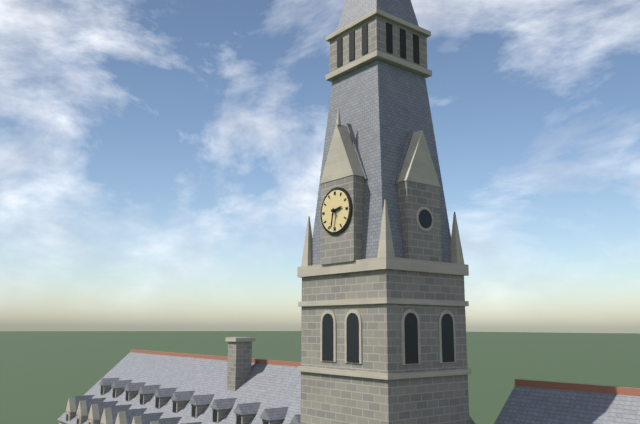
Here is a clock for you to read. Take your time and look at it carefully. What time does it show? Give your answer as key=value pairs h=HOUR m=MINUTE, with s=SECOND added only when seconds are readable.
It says h=2 m=32
